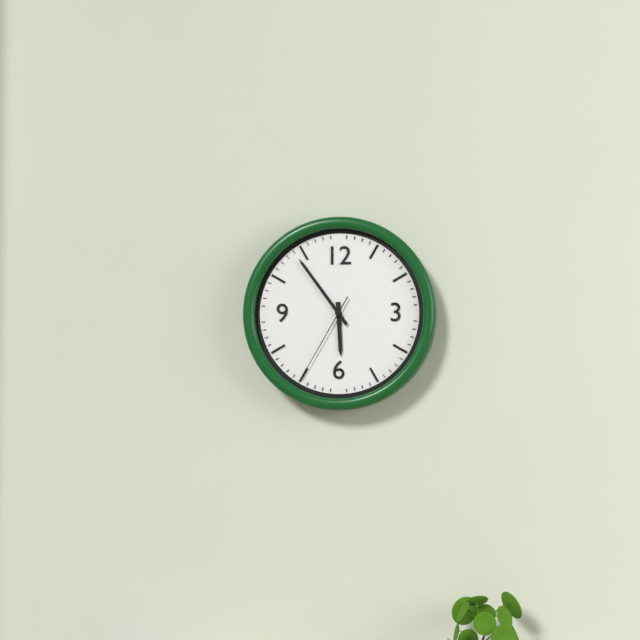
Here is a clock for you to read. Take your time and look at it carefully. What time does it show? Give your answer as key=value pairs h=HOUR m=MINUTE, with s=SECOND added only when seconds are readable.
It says h=5 m=54 s=35
